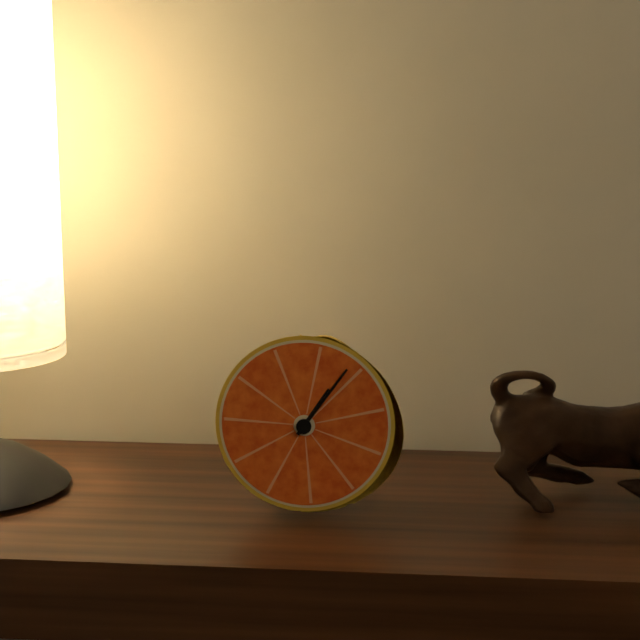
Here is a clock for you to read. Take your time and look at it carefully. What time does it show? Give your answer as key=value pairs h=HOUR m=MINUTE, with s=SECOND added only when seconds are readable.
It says h=1 m=6
